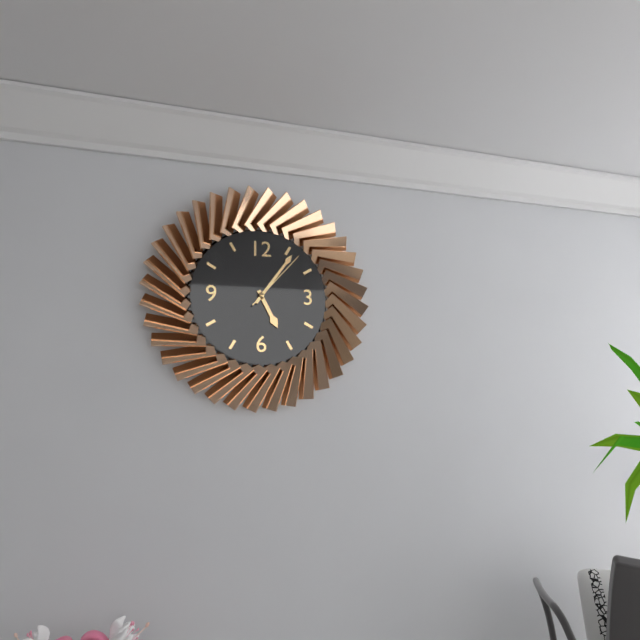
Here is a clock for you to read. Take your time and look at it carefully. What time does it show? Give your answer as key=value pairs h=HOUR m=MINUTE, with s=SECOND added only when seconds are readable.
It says h=5 m=6 s=7
